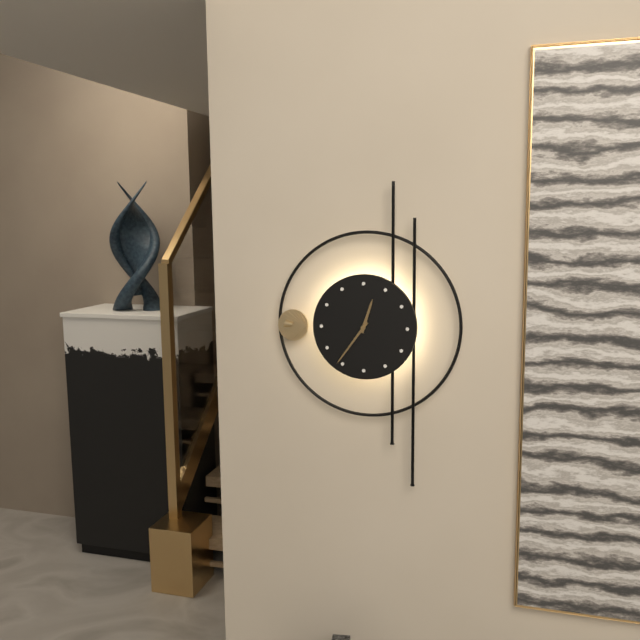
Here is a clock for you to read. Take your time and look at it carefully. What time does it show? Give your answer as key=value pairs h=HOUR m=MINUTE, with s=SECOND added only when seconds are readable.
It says h=12 m=36
